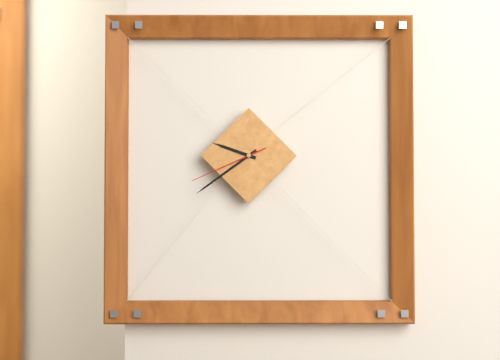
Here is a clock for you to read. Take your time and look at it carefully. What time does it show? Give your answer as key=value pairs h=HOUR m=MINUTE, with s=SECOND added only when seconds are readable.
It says h=9 m=39 s=41
